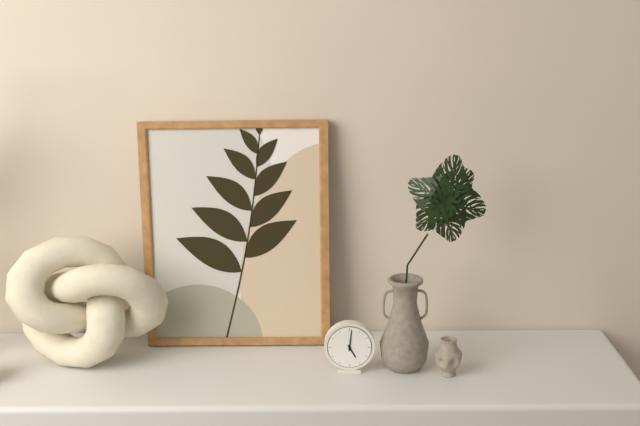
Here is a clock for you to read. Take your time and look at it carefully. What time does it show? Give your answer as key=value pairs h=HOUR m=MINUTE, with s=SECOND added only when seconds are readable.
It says h=5 m=1
